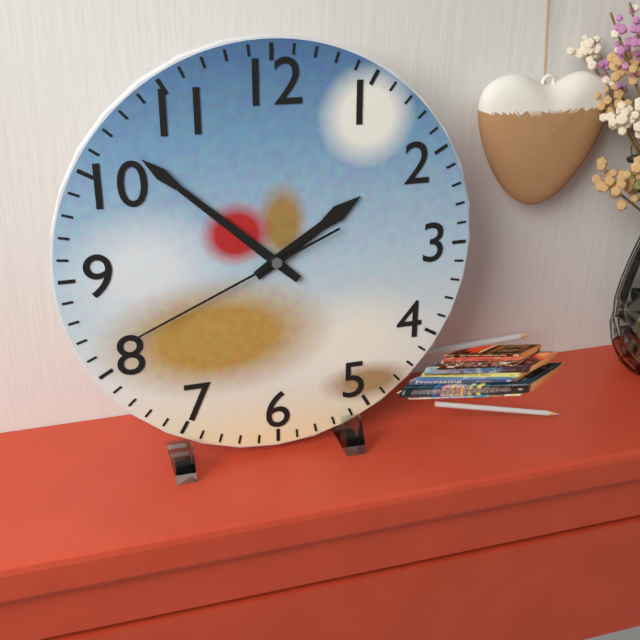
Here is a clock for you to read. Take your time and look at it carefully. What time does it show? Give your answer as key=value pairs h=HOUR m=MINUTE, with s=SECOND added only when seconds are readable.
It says h=1 m=52 s=41
